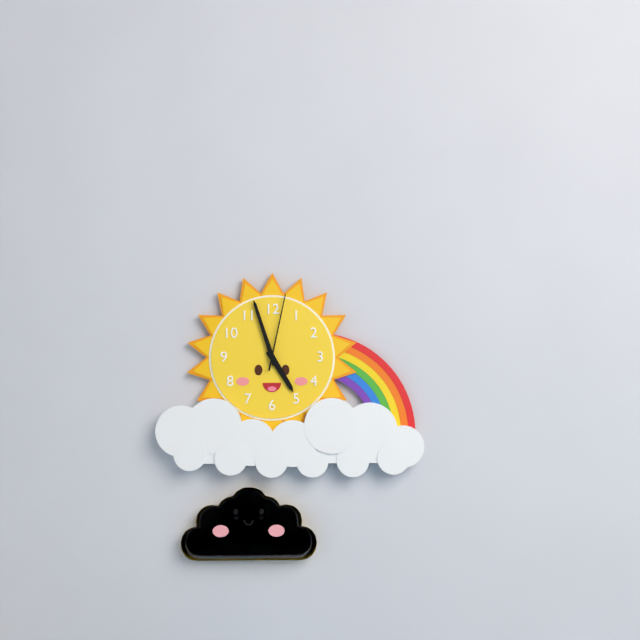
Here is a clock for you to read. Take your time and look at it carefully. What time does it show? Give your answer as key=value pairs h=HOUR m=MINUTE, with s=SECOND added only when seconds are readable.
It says h=4 m=57 s=2
